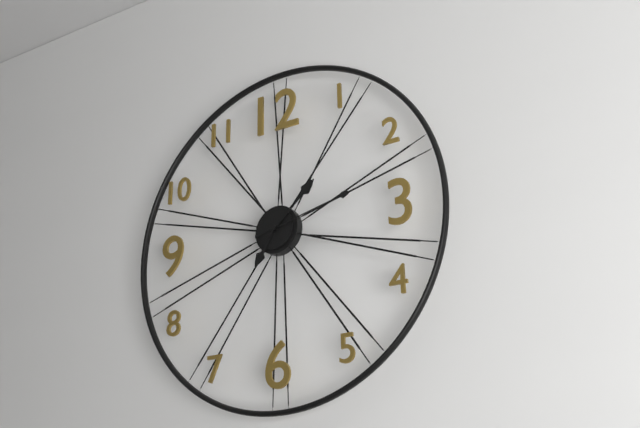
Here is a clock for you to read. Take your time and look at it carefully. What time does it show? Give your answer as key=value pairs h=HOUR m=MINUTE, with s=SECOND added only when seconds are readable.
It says h=7 m=8 s=13
